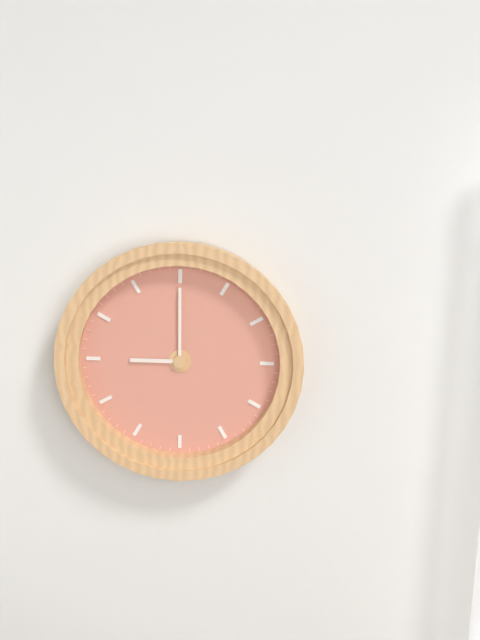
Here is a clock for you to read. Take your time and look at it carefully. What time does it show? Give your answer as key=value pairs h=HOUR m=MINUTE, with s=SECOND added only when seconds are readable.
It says h=9 m=0
